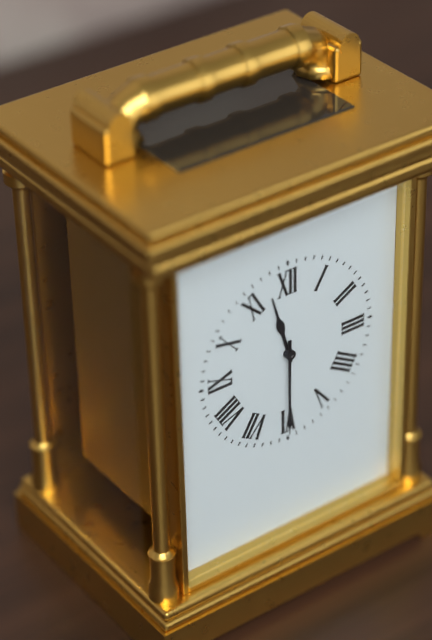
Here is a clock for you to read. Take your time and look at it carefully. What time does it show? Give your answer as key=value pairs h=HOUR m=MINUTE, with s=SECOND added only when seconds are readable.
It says h=11 m=30
